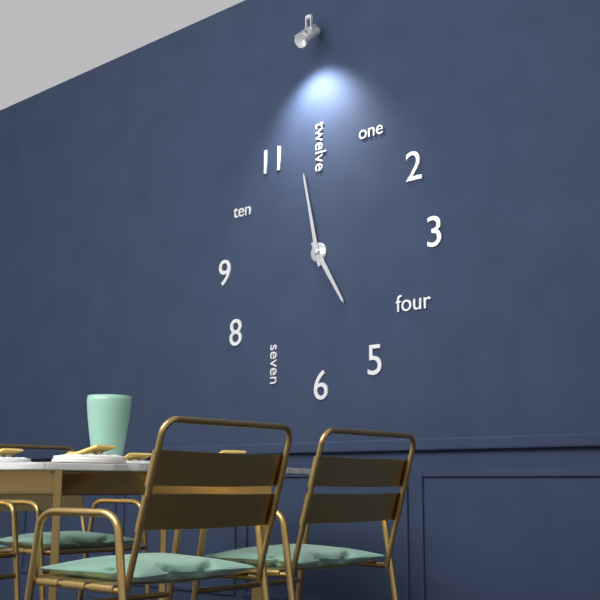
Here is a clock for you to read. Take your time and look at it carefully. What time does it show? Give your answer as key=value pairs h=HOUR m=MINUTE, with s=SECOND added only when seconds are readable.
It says h=4 m=58
